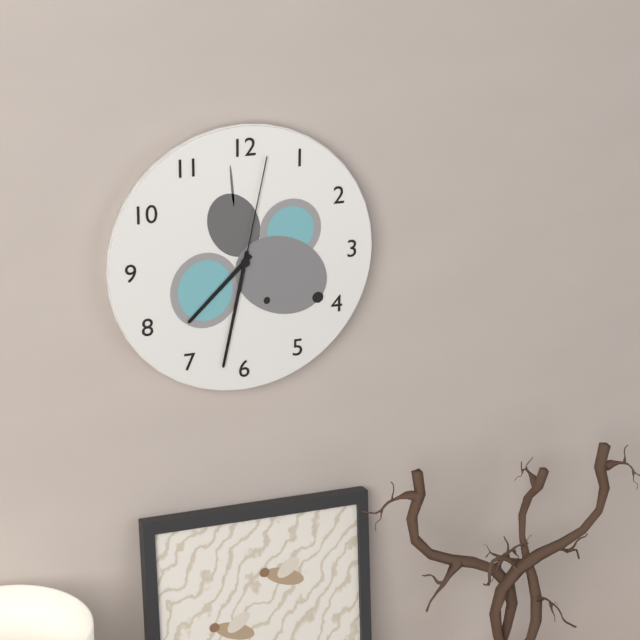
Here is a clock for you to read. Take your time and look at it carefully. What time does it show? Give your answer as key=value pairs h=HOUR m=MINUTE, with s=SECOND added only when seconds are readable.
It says h=7 m=32 s=2
